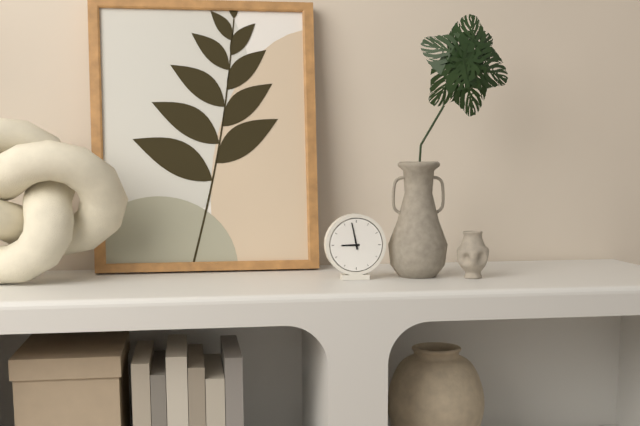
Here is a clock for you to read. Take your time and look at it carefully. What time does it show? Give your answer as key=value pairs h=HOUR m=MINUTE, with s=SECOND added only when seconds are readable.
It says h=8 m=58
